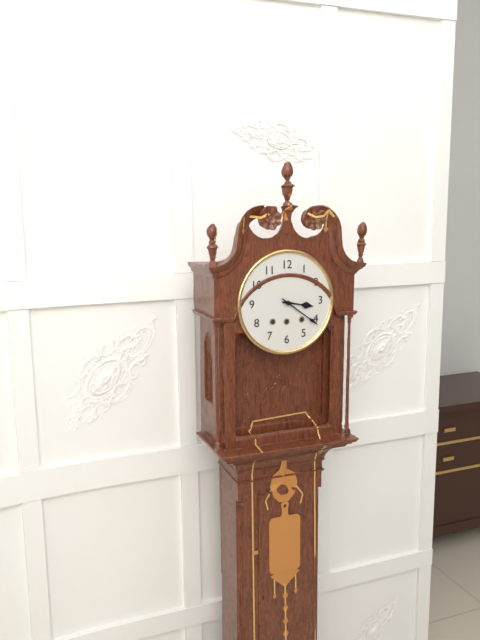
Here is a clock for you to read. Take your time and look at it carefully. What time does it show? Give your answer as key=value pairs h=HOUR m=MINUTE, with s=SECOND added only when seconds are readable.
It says h=3 m=21
